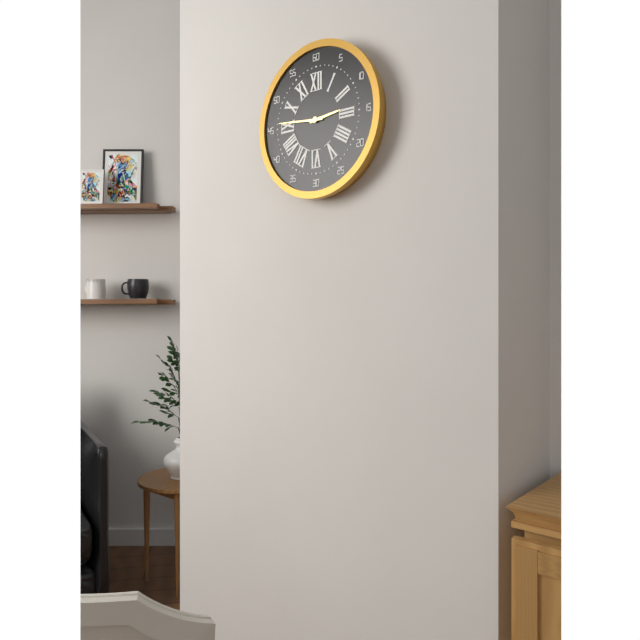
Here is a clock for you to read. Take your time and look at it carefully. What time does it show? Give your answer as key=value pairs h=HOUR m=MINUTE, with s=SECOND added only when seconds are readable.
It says h=2 m=46
